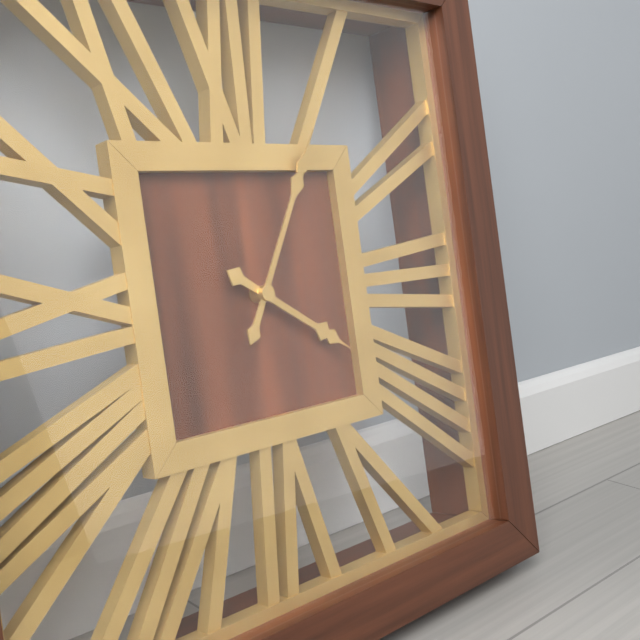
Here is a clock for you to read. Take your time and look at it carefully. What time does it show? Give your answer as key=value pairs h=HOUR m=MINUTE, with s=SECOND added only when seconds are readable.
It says h=4 m=5
